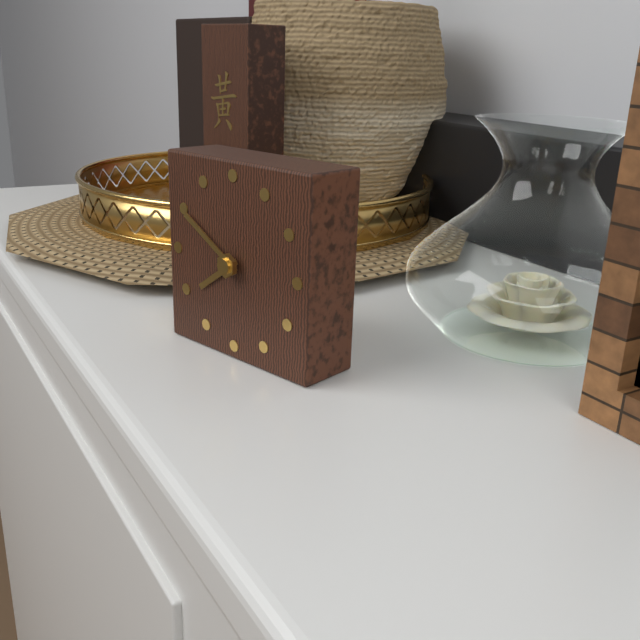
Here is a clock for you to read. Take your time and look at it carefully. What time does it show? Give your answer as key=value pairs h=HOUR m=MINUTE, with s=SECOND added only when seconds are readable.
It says h=7 m=50
